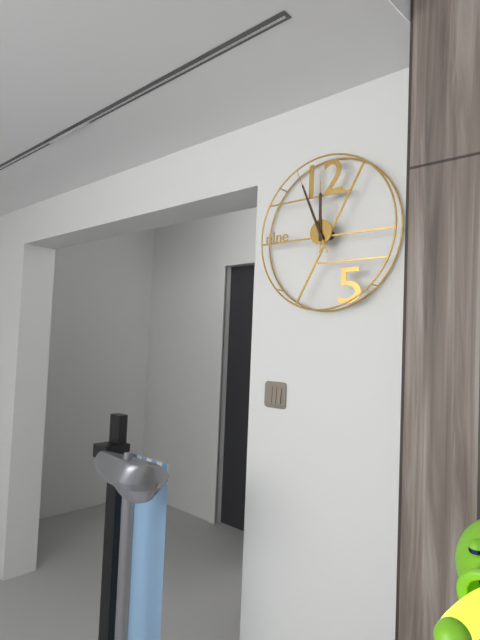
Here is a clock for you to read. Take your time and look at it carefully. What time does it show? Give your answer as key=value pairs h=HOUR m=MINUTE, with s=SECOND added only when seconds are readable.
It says h=11 m=56
